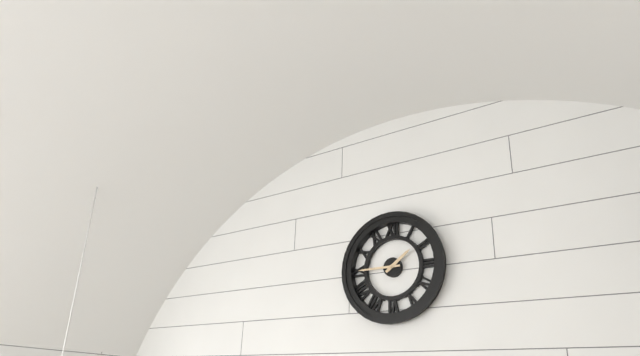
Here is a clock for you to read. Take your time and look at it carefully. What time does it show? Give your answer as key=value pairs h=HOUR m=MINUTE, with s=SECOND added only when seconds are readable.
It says h=1 m=45
